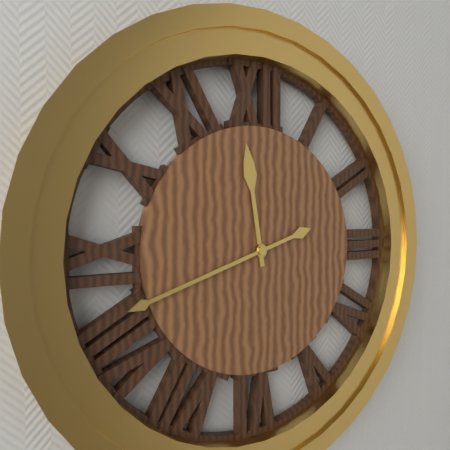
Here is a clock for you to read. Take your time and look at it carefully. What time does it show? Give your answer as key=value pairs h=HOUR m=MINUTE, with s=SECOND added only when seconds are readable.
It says h=11 m=42
